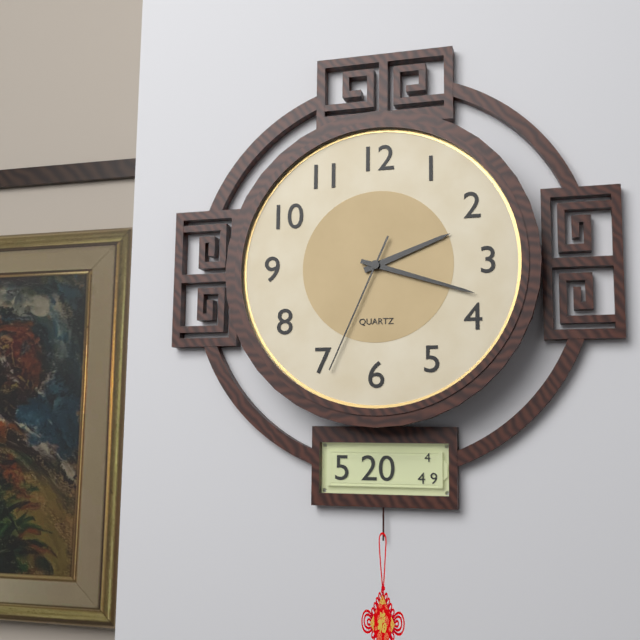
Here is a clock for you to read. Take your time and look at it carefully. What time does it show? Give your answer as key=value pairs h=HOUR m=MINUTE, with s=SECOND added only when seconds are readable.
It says h=2 m=18 s=34
